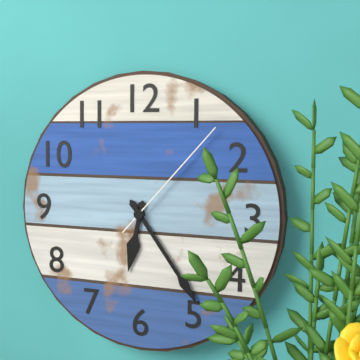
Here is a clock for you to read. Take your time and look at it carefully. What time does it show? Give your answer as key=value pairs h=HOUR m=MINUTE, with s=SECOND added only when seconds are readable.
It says h=6 m=24 s=7
